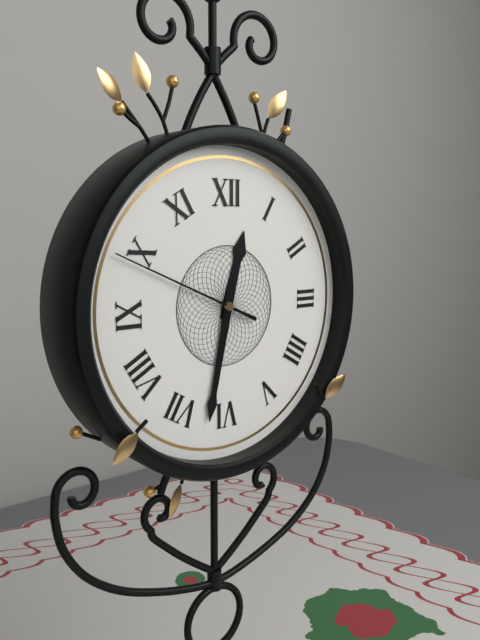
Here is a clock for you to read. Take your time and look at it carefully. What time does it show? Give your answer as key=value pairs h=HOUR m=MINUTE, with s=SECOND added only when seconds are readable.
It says h=12 m=32 s=49
